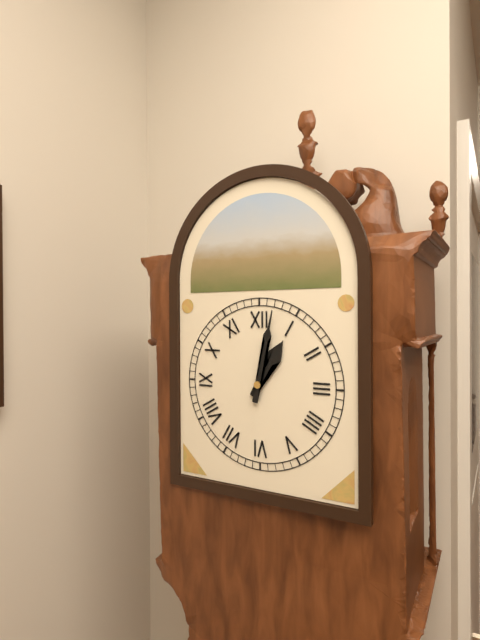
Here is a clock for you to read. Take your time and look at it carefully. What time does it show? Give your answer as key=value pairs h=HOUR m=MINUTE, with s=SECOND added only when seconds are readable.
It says h=1 m=2
